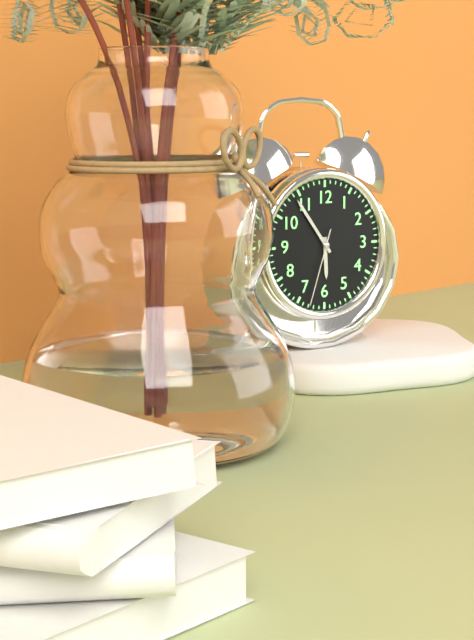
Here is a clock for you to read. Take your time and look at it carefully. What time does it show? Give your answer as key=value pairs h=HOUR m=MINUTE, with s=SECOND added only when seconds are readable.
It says h=5 m=54 s=33
